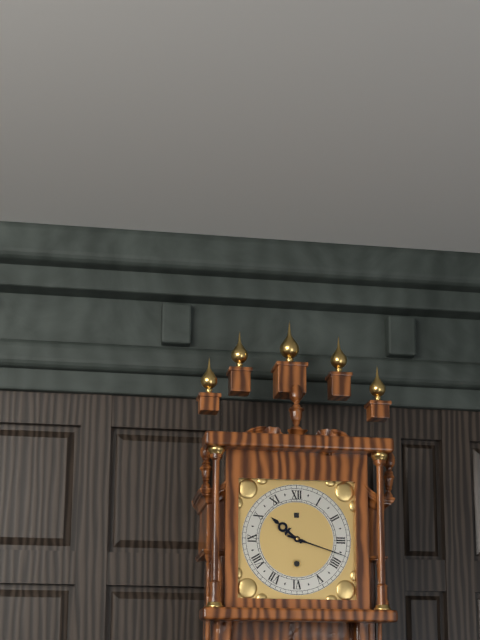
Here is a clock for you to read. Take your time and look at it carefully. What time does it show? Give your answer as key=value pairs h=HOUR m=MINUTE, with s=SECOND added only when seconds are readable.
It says h=10 m=18
